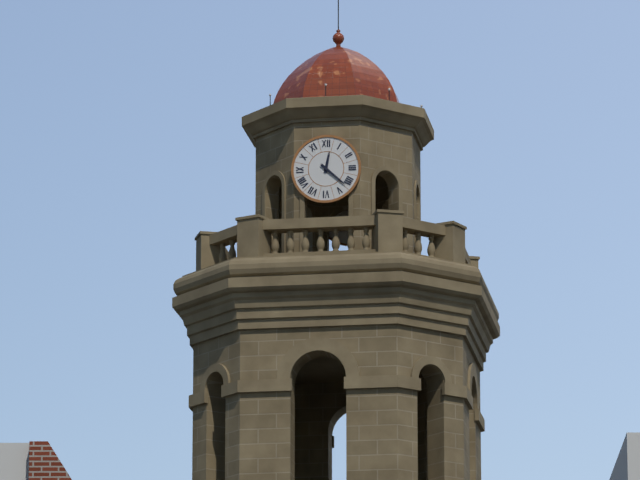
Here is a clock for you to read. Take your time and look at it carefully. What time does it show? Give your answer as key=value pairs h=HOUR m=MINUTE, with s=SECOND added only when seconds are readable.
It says h=12 m=22
